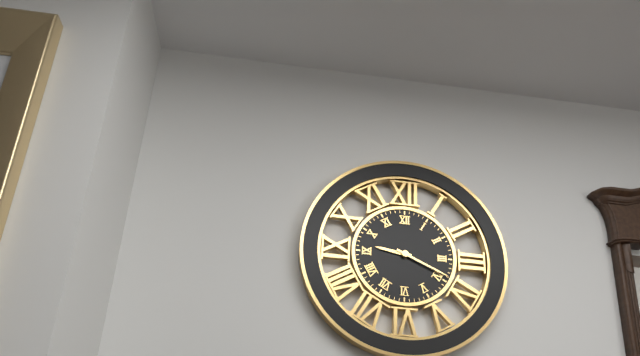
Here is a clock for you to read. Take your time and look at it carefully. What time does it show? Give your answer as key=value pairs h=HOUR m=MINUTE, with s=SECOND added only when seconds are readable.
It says h=9 m=19
